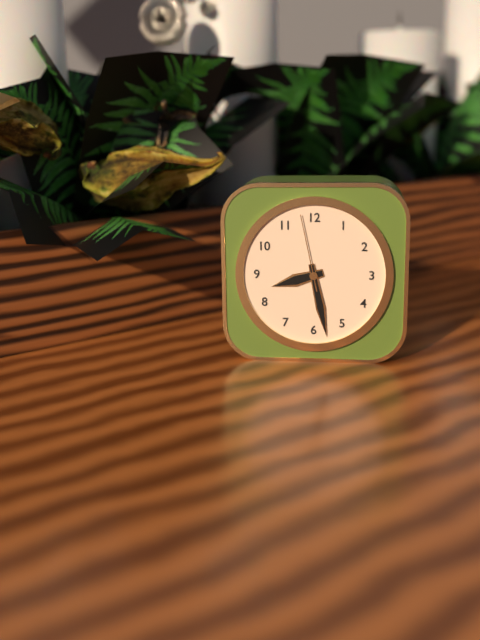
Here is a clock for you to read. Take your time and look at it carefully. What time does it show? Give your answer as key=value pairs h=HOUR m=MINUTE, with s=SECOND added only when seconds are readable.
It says h=8 m=28 s=58
